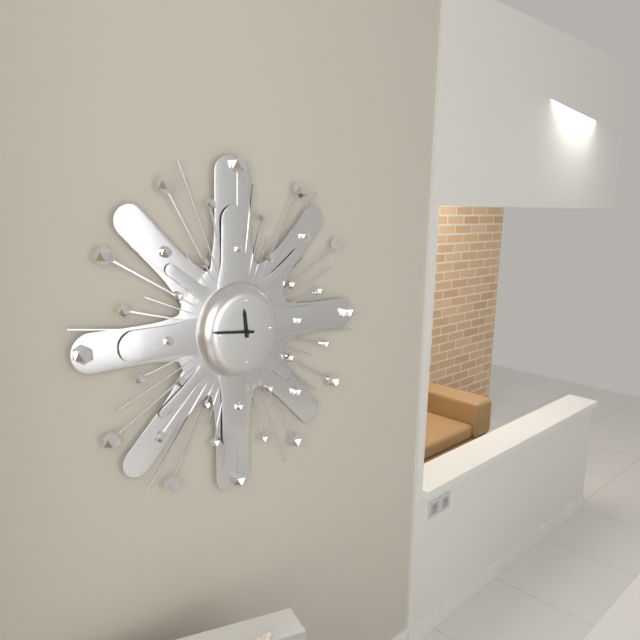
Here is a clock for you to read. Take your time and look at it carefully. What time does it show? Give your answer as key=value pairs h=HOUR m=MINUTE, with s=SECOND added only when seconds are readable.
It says h=11 m=46
